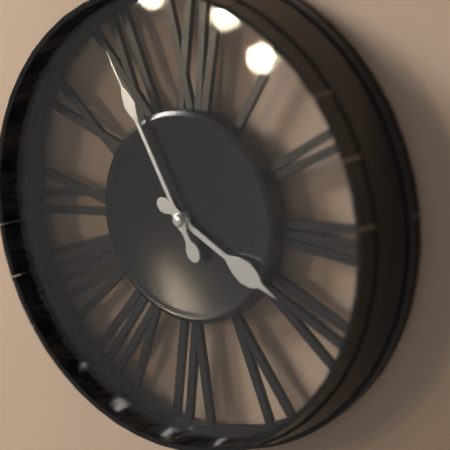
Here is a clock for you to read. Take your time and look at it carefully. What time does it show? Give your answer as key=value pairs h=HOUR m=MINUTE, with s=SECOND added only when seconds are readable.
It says h=3 m=55
